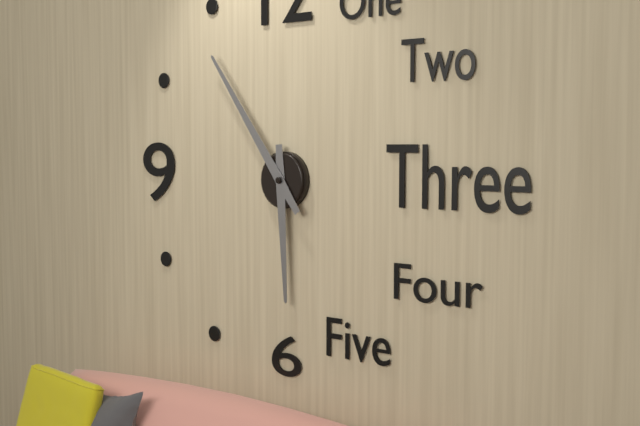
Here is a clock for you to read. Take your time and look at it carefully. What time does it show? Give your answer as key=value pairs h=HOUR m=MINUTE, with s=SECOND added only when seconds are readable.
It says h=5 m=54
